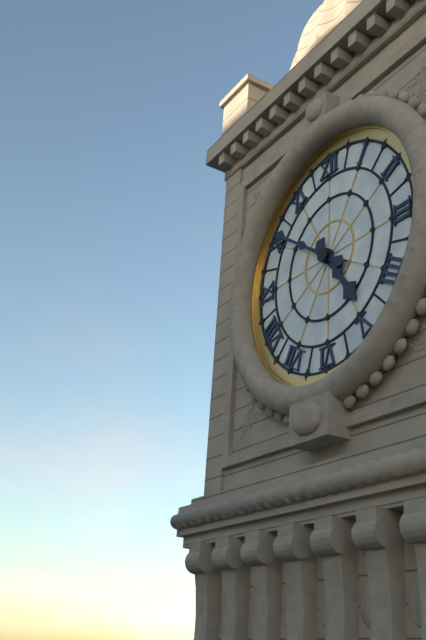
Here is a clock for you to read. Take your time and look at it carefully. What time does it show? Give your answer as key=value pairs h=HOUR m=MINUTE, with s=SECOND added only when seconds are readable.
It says h=4 m=51
